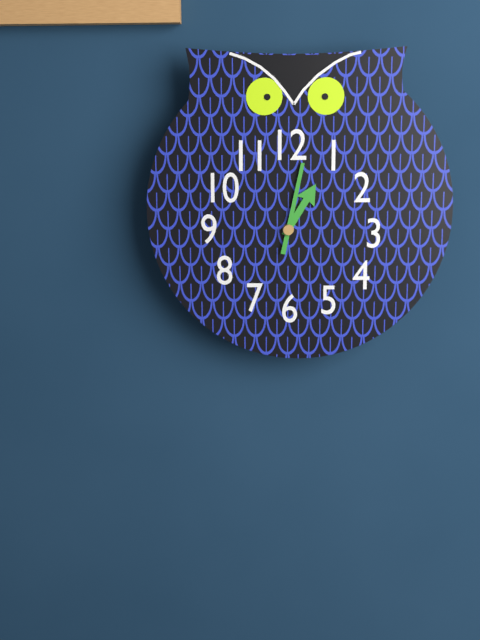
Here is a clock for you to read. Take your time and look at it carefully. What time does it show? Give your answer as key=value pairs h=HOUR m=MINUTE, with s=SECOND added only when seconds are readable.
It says h=1 m=2
